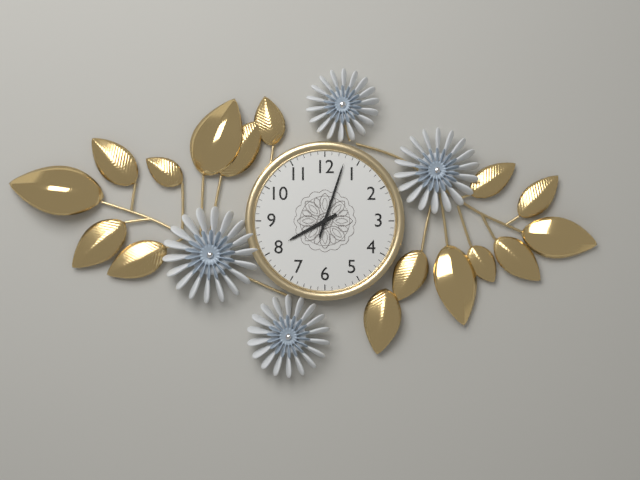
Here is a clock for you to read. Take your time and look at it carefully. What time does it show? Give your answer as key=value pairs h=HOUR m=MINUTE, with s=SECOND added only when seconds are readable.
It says h=8 m=3
